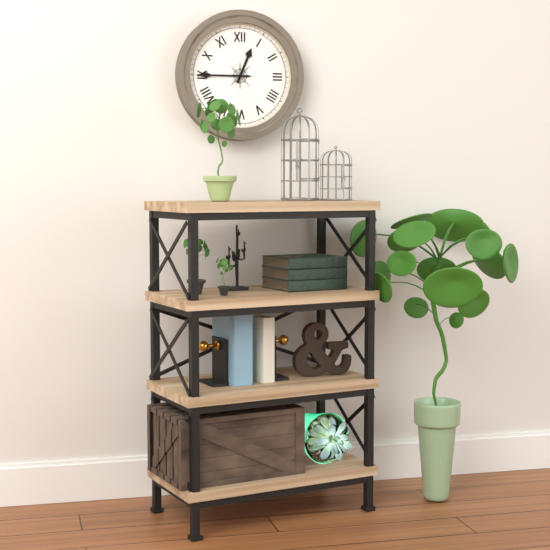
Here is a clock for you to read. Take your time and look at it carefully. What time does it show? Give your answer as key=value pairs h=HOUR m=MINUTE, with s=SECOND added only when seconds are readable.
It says h=12 m=45
